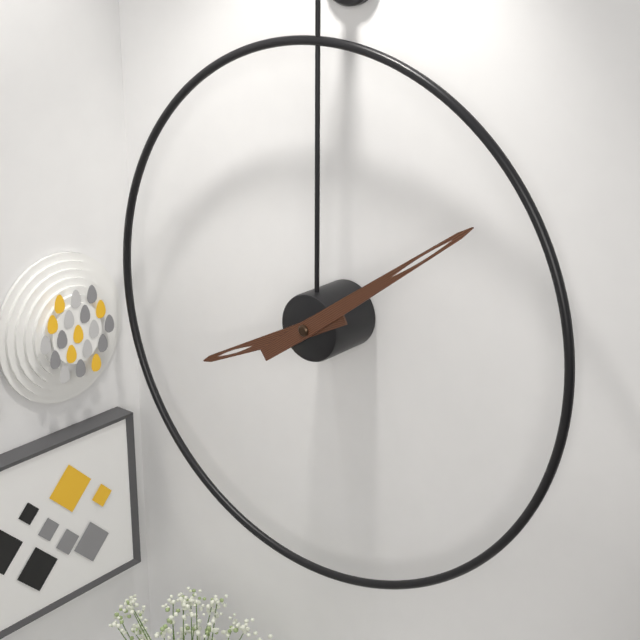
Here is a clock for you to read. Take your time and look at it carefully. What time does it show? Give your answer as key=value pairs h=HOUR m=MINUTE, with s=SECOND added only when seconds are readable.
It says h=8 m=9
